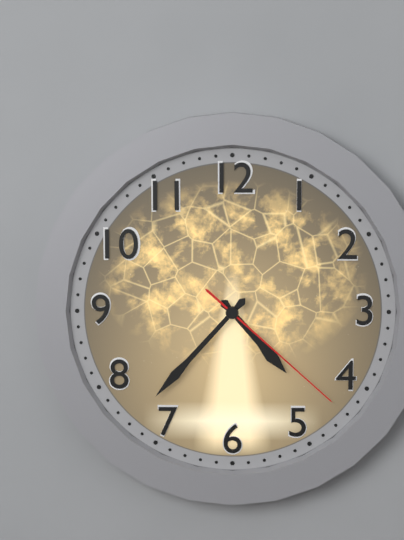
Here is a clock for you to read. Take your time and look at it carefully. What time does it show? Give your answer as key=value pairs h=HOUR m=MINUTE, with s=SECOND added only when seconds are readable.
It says h=4 m=37 s=22
